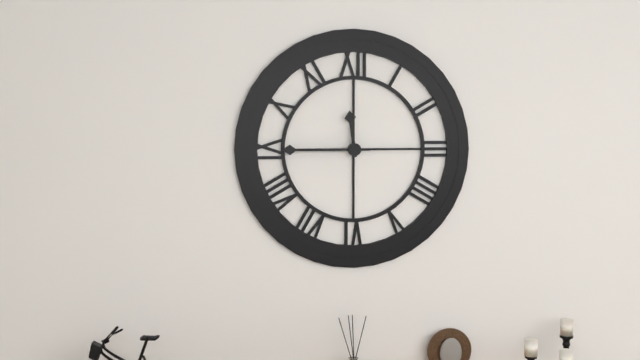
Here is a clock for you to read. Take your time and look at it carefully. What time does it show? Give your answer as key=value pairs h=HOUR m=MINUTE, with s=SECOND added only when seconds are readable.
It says h=11 m=45
